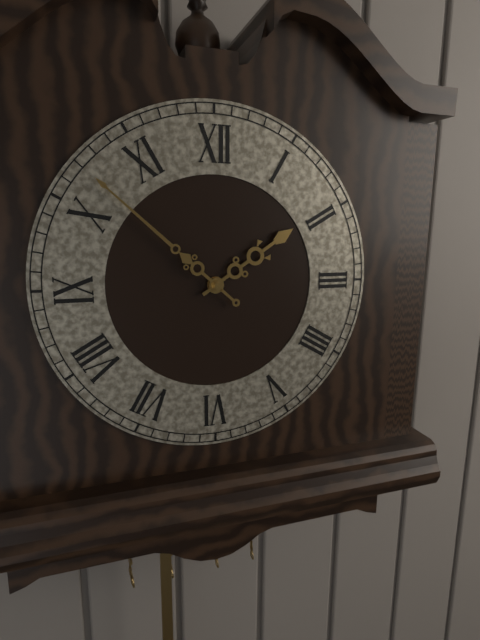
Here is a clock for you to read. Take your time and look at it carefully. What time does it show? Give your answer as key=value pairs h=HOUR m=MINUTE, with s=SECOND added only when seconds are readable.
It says h=1 m=52
